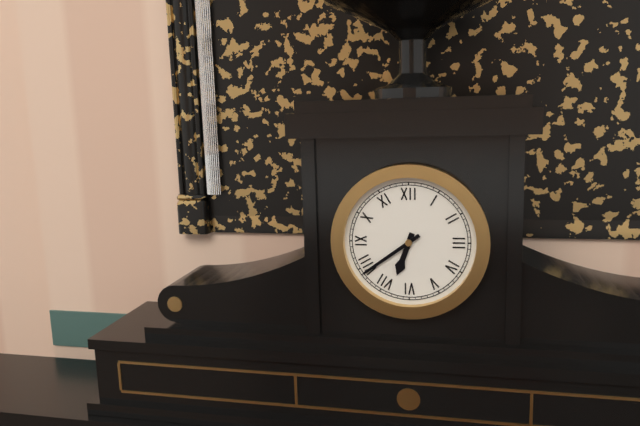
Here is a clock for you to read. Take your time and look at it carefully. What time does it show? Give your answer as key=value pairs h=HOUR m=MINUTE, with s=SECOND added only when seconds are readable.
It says h=6 m=39
